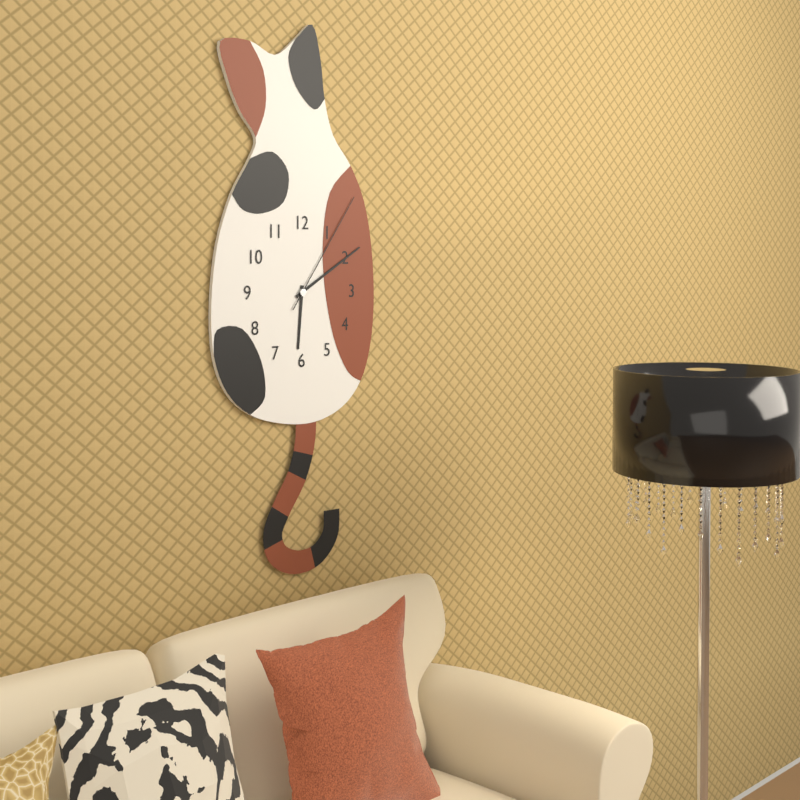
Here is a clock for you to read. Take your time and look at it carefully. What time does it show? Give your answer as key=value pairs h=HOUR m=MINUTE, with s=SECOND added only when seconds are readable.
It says h=6 m=10 s=6
